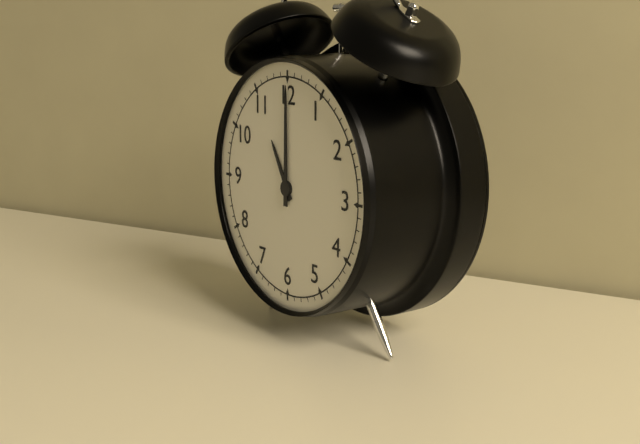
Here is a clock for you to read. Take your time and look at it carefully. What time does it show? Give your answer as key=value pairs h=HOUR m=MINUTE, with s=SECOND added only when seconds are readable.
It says h=11 m=0
